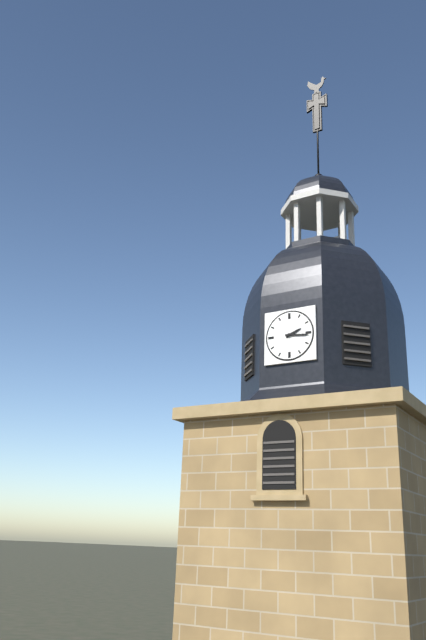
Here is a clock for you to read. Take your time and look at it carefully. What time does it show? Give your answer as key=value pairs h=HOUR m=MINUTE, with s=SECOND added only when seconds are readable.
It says h=2 m=16
